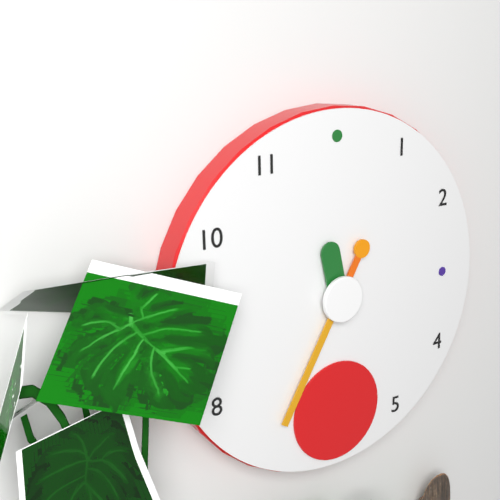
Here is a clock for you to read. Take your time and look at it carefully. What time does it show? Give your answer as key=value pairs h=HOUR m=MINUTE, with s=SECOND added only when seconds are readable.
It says h=11 m=35
